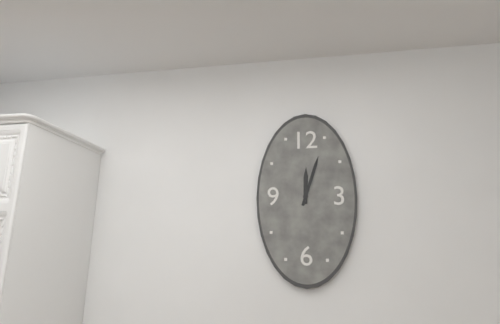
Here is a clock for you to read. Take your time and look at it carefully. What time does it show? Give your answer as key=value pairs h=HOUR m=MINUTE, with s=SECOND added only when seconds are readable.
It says h=12 m=3
